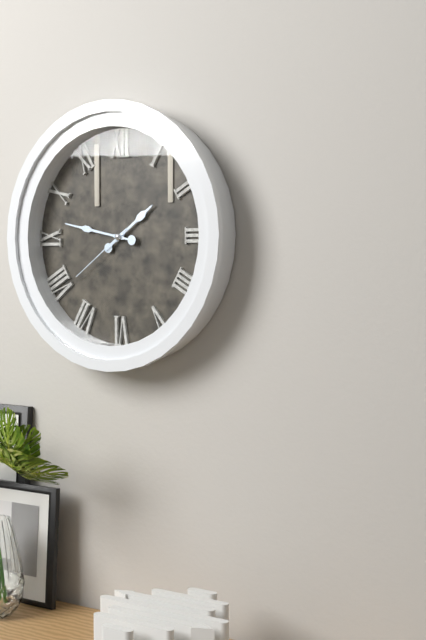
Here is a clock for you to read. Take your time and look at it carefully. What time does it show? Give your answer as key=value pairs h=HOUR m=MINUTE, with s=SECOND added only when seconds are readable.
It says h=1 m=47 s=39
